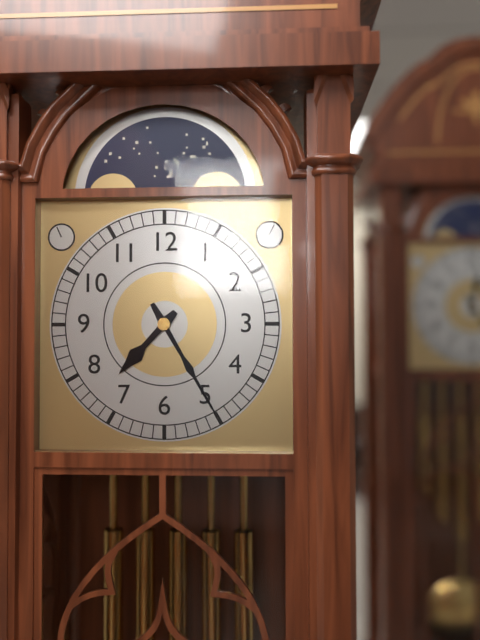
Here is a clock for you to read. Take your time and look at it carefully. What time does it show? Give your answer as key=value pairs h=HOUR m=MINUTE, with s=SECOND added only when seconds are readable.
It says h=7 m=25
